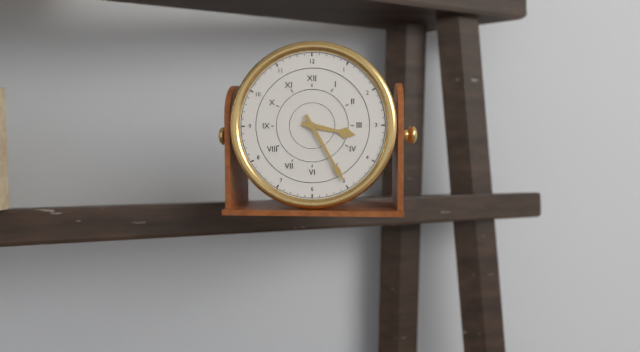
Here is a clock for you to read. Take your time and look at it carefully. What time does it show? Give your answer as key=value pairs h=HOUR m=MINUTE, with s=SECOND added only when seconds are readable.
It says h=3 m=25
